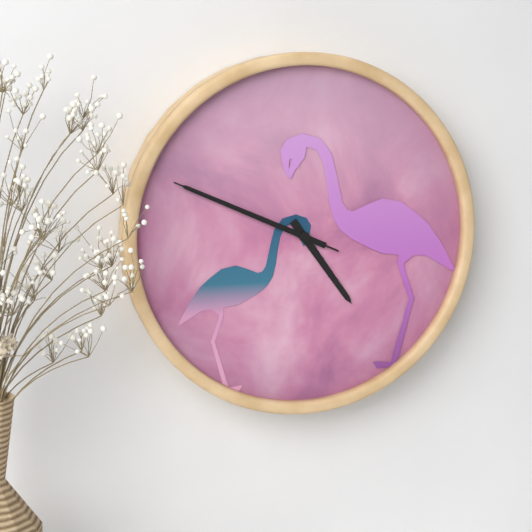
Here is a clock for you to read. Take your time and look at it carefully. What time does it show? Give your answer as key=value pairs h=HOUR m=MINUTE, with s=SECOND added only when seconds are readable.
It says h=4 m=49 s=49
